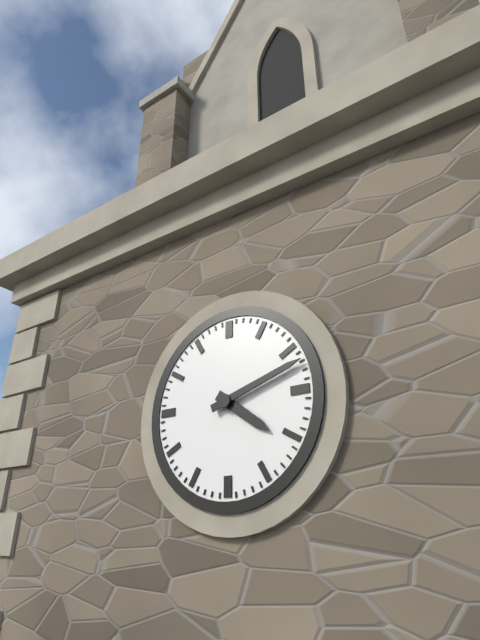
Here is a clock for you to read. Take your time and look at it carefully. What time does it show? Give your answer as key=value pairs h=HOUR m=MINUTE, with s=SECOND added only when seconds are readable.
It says h=4 m=12
